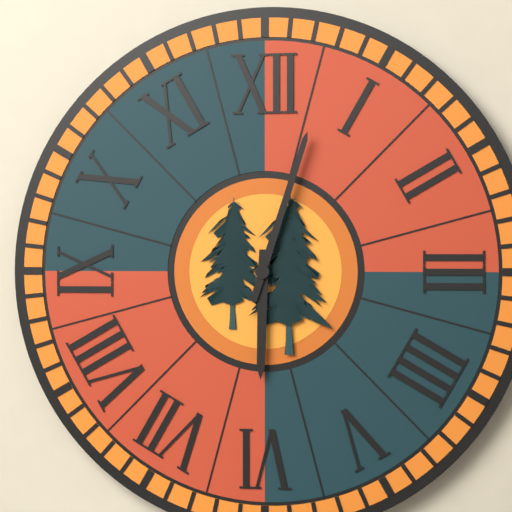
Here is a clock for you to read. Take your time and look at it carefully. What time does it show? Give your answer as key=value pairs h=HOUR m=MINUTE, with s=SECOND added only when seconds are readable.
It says h=6 m=3
